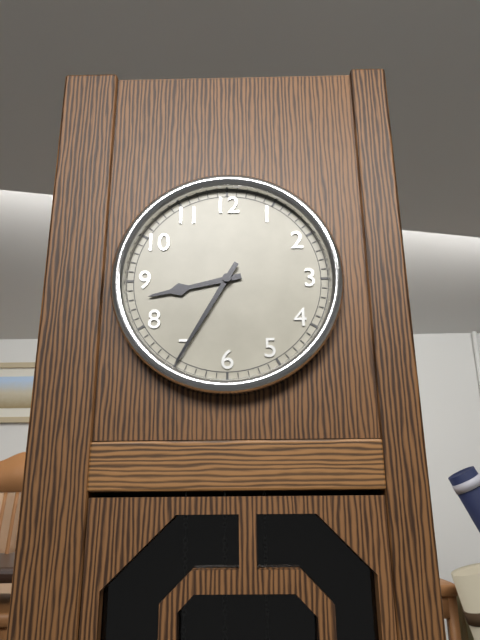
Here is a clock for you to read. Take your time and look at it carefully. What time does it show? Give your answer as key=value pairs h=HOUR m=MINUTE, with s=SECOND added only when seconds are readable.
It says h=8 m=35
